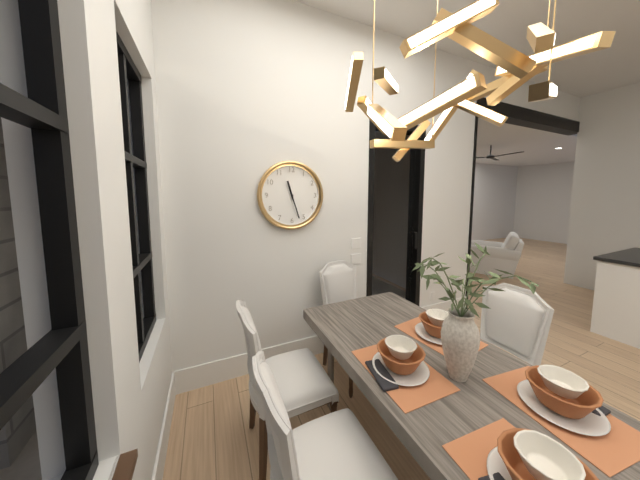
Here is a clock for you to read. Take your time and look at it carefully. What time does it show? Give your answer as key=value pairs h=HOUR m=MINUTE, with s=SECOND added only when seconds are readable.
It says h=11 m=27
